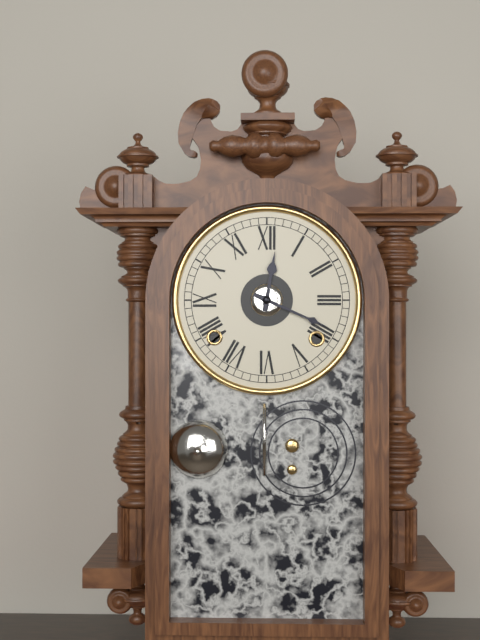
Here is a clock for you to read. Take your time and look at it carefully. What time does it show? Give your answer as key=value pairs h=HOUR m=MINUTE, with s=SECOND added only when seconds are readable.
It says h=12 m=19
